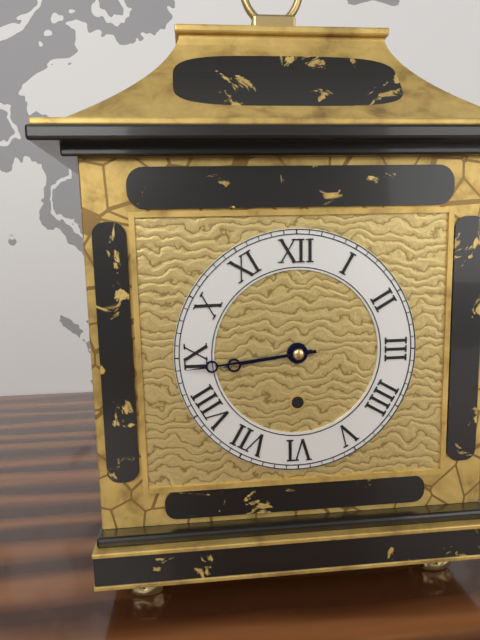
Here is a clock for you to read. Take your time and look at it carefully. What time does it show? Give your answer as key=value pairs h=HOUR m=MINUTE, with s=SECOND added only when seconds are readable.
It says h=8 m=44
